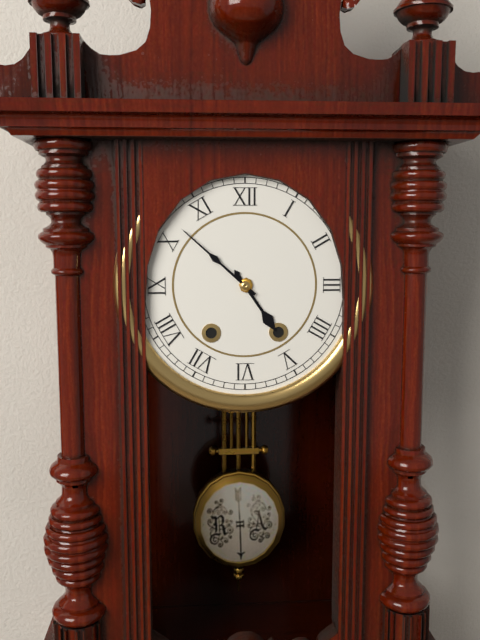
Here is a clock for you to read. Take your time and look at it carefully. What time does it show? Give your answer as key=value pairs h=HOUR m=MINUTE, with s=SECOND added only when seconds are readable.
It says h=4 m=52
